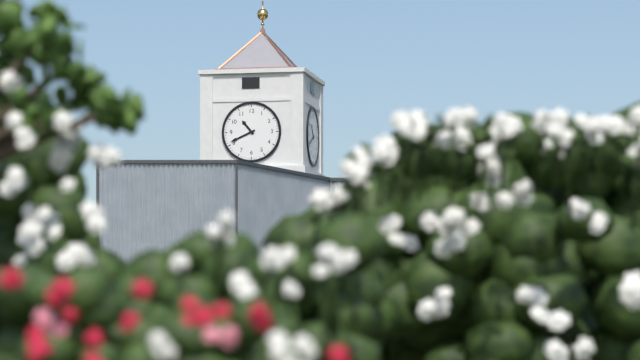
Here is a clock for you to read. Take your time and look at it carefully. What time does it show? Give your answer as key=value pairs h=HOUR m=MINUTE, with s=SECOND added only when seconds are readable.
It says h=10 m=41
